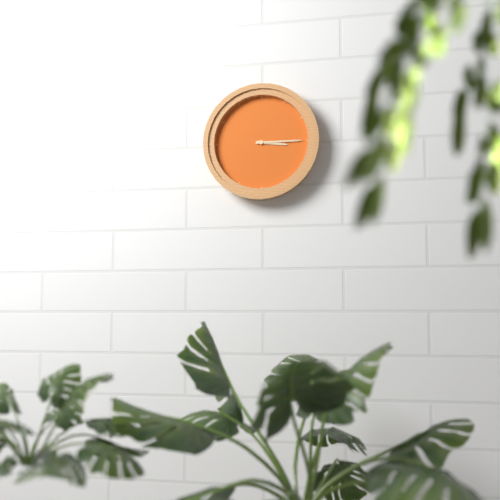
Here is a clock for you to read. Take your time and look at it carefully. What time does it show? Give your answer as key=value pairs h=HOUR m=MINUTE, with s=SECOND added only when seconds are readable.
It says h=3 m=15
